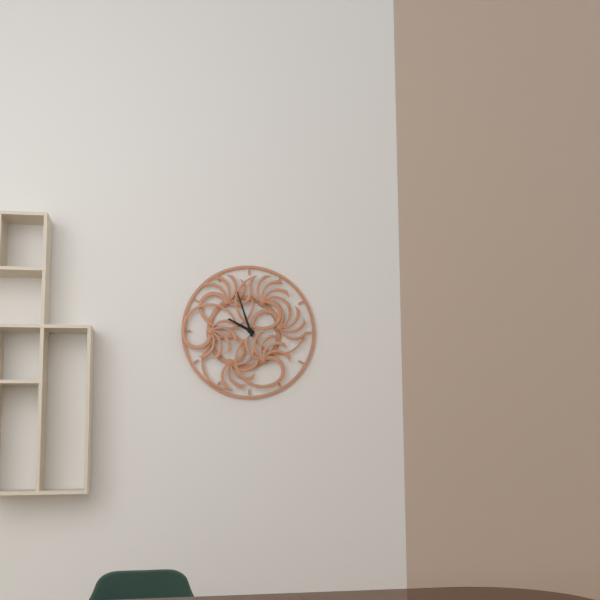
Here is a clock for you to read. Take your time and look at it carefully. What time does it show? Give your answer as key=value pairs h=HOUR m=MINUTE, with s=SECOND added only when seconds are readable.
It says h=9 m=57
